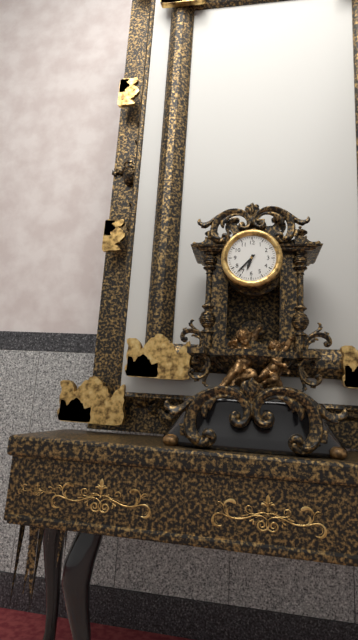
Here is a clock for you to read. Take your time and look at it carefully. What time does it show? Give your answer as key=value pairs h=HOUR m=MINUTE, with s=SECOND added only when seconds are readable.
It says h=6 m=37
